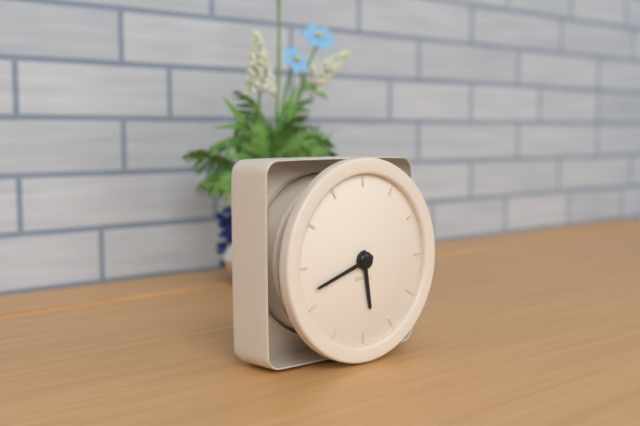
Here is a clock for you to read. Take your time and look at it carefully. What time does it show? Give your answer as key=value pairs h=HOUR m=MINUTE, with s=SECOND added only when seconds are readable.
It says h=5 m=42
